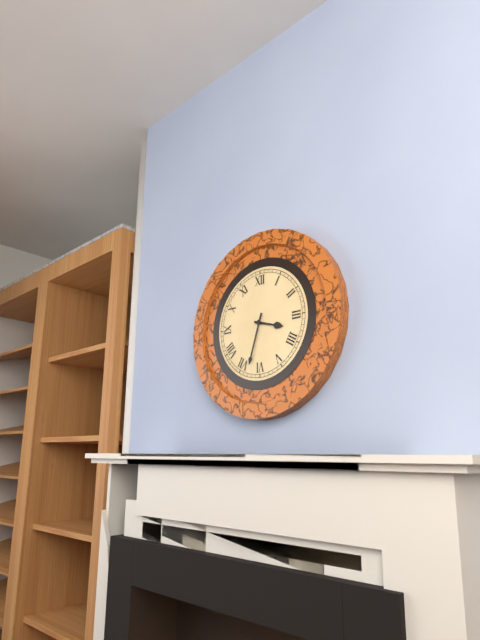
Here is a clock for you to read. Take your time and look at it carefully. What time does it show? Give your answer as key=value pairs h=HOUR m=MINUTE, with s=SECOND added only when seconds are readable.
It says h=3 m=33
